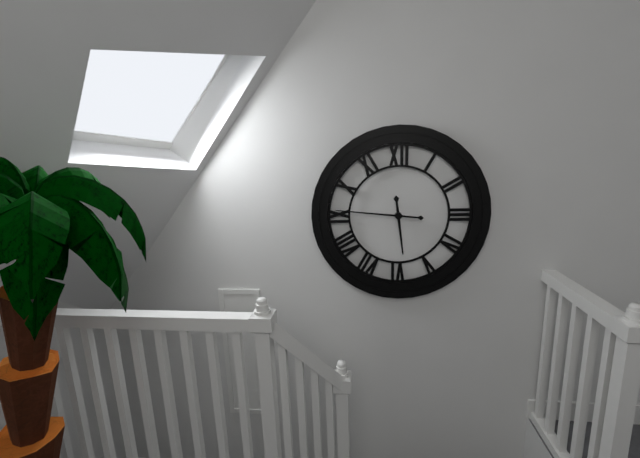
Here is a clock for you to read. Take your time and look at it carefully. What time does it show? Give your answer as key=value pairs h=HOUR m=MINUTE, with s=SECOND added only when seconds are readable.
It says h=5 m=46
